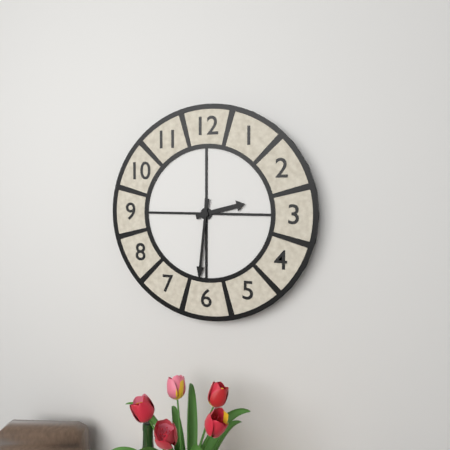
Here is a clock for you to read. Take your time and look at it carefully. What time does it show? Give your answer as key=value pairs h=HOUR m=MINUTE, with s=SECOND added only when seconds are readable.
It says h=2 m=31
